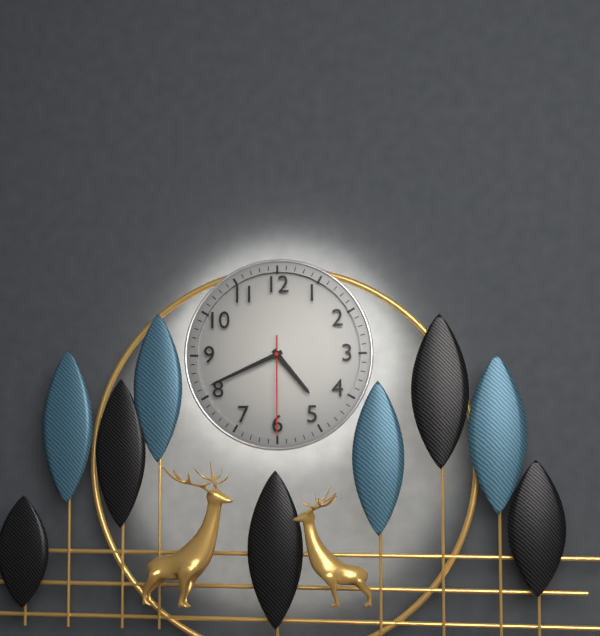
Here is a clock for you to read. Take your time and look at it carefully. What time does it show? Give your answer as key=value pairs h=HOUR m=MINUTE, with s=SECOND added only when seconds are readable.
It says h=4 m=41 s=30
